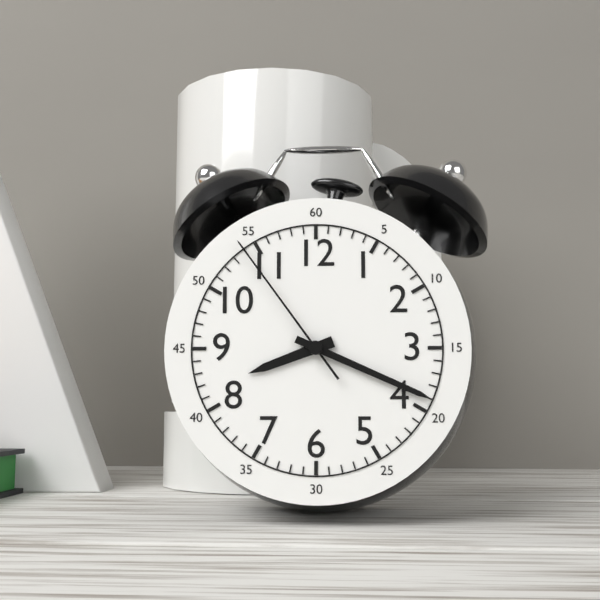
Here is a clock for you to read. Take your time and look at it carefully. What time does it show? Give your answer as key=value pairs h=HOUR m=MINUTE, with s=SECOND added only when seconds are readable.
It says h=8 m=19 s=54
